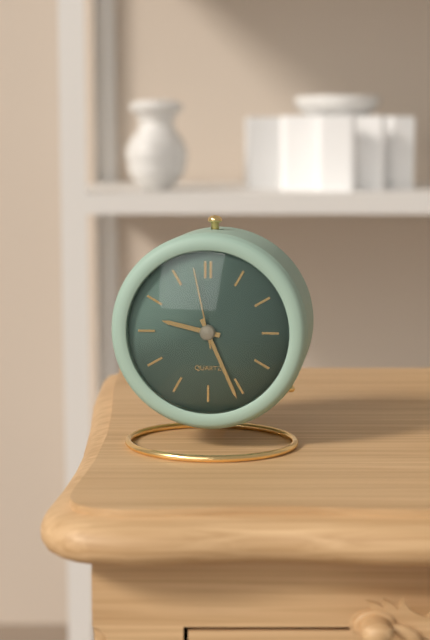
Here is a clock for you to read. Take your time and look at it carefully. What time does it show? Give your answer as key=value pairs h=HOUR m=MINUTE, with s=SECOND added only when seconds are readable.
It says h=9 m=26 s=58
